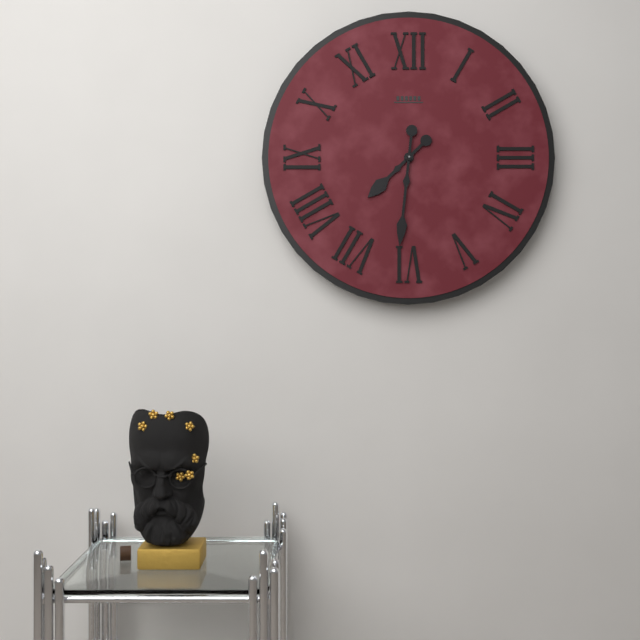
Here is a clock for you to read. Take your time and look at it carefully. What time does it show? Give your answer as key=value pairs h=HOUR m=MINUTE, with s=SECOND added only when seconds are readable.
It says h=7 m=31
